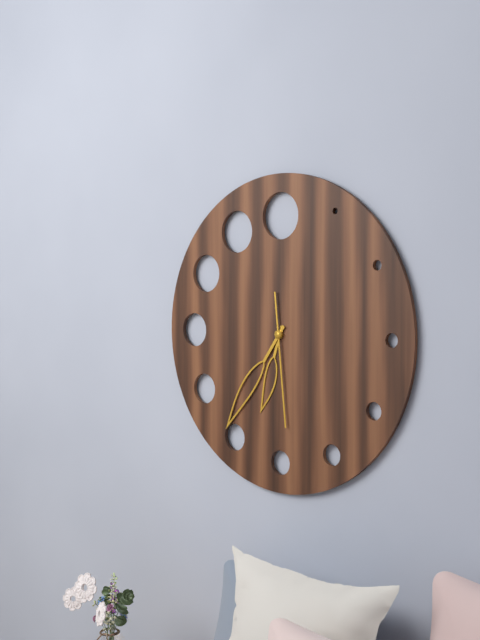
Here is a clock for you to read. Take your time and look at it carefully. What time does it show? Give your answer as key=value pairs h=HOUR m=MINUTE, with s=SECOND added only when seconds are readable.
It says h=6 m=36 s=29
